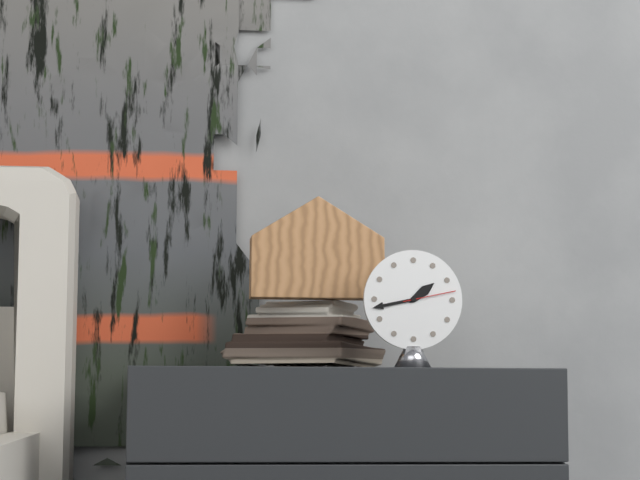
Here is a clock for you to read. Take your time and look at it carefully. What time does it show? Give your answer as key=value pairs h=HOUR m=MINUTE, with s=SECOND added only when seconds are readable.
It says h=1 m=43 s=13
